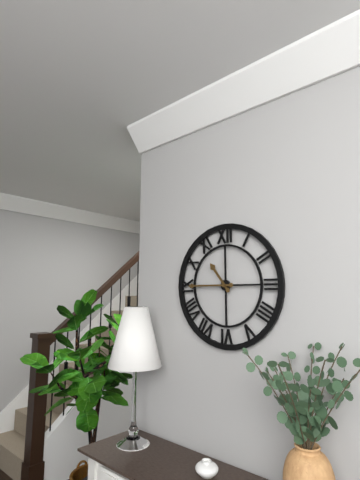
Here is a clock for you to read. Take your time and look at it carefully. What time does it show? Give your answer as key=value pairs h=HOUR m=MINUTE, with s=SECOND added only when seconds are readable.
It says h=10 m=45
